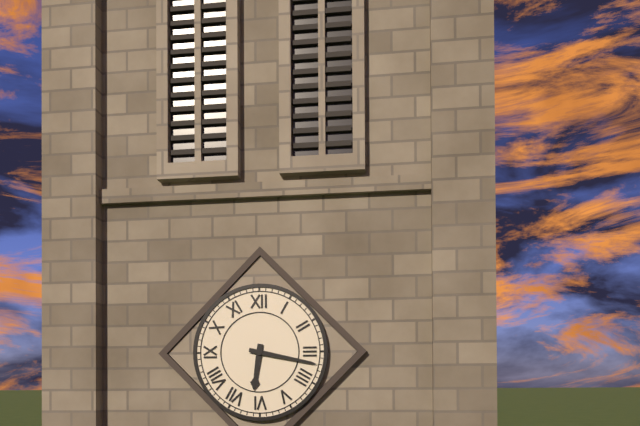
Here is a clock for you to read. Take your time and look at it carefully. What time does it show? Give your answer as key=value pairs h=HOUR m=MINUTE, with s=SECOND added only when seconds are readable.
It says h=6 m=17
